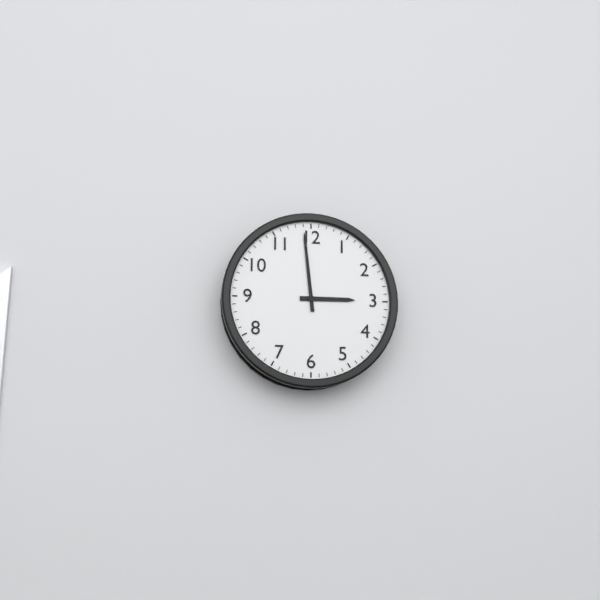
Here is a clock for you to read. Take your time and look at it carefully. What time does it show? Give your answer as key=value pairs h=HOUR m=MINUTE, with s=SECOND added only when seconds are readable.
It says h=2 m=59
